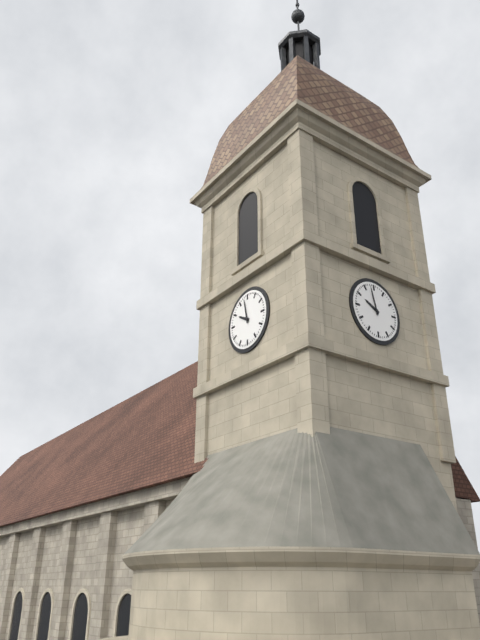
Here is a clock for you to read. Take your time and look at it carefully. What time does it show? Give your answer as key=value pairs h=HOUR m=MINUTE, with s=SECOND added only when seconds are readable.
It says h=9 m=58
